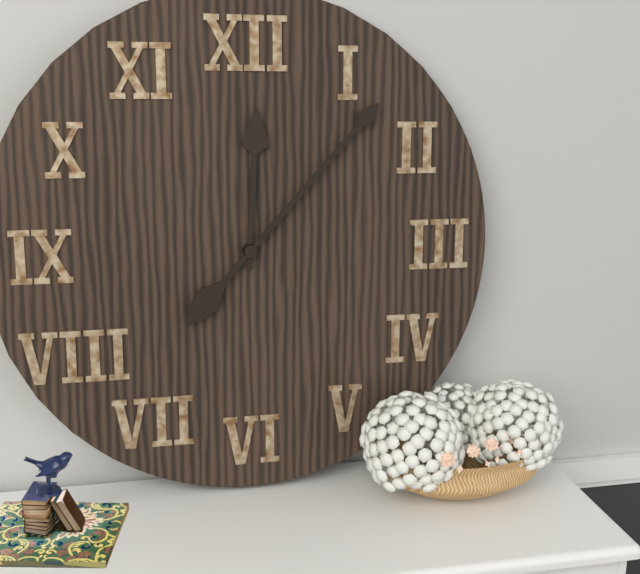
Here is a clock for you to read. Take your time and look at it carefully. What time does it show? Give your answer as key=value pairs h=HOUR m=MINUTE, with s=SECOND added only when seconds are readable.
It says h=12 m=7
